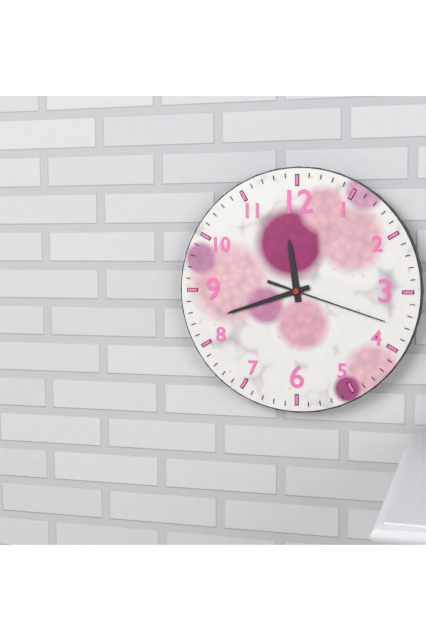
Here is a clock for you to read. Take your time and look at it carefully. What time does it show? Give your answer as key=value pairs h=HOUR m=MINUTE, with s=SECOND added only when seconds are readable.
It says h=11 m=42 s=18
